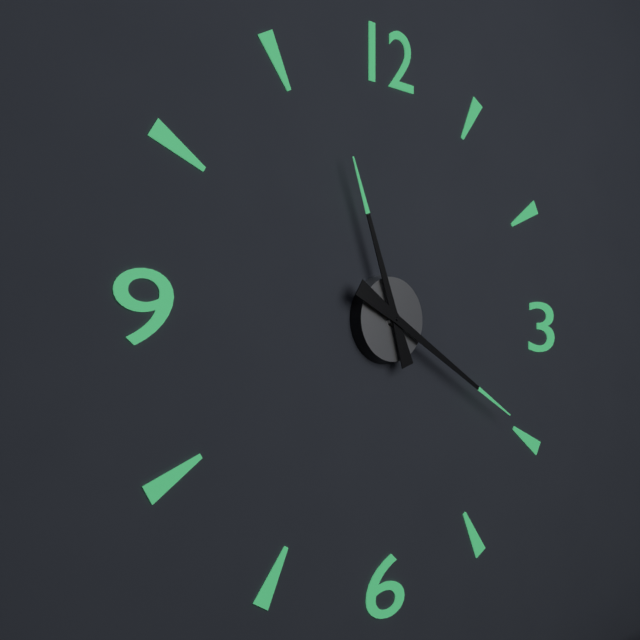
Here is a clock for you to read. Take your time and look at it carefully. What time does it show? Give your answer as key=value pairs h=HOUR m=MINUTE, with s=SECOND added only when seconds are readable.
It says h=11 m=20
